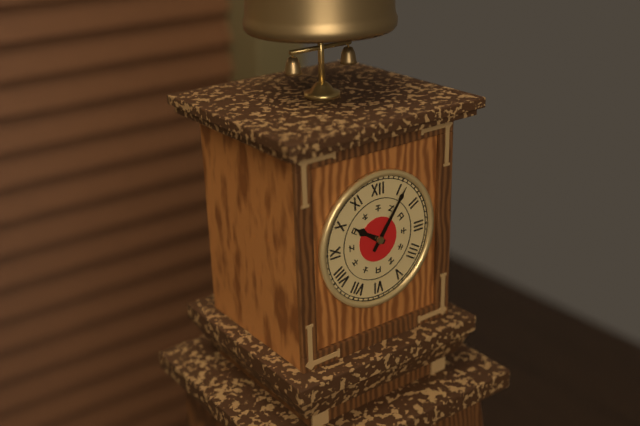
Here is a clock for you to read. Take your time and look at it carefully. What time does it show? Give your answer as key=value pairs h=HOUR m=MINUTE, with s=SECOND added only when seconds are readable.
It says h=10 m=6
